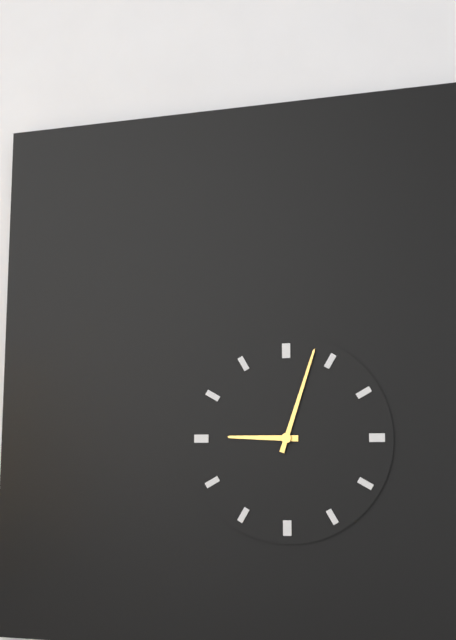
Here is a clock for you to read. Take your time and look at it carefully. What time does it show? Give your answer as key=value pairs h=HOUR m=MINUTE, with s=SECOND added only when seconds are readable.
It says h=9 m=3
